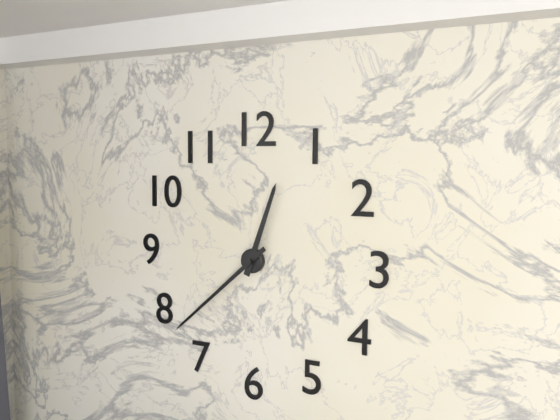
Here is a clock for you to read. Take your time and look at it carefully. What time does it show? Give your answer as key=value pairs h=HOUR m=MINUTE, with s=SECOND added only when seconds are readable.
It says h=12 m=38
